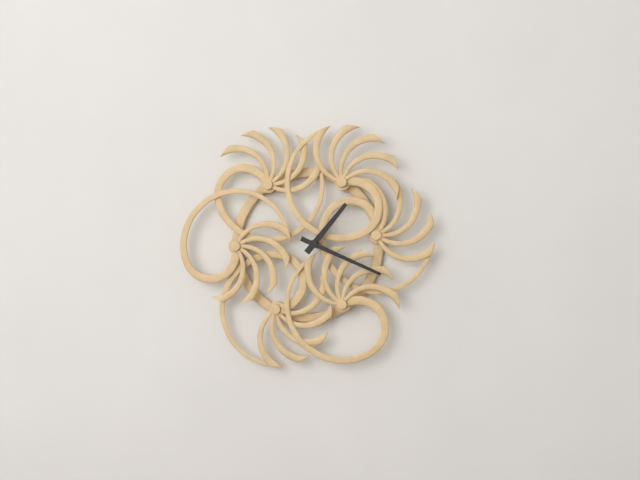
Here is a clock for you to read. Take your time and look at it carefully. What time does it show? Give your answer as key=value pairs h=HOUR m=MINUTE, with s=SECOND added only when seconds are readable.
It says h=1 m=19
